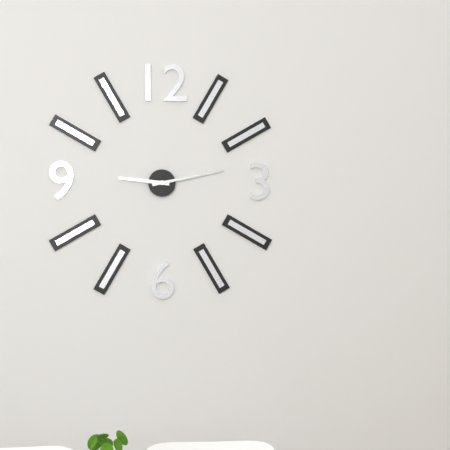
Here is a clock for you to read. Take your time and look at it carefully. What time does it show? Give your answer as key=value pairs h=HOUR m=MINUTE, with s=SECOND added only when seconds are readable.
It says h=9 m=13
